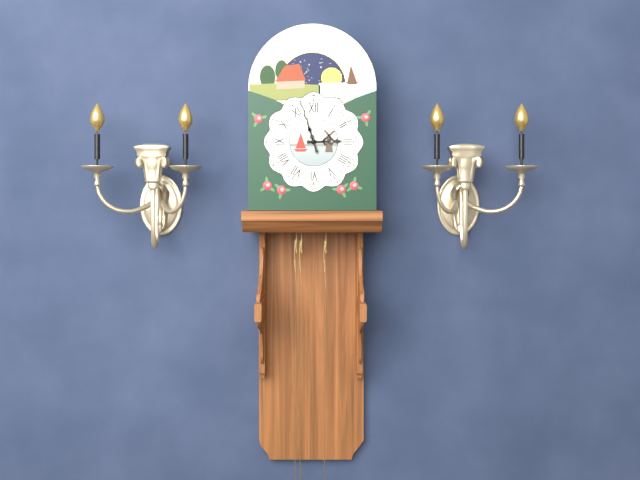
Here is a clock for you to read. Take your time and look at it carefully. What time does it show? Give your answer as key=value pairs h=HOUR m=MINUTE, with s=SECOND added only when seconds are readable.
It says h=2 m=57
